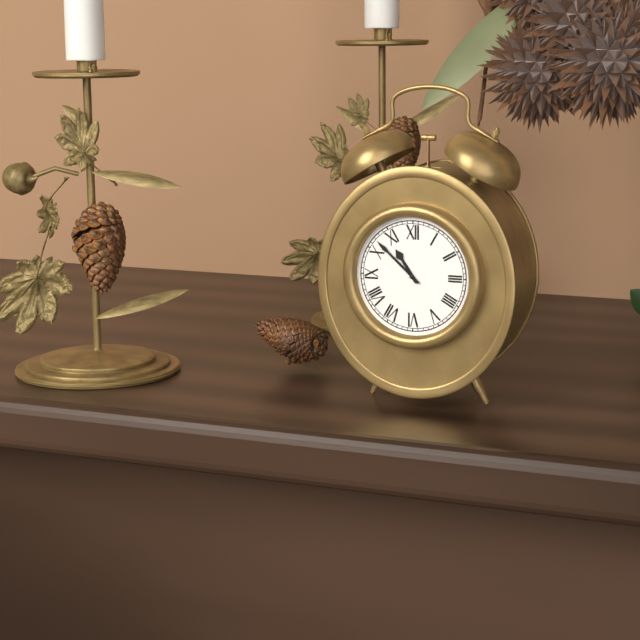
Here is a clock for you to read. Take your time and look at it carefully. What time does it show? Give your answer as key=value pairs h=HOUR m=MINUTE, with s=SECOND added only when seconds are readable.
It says h=10 m=52
